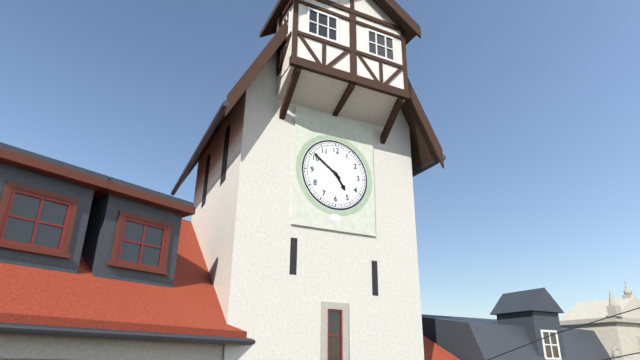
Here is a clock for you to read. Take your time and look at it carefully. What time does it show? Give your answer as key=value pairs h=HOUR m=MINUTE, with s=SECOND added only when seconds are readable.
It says h=4 m=51
